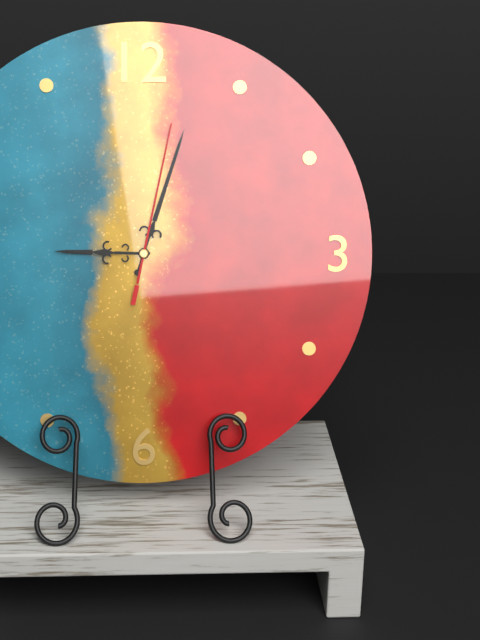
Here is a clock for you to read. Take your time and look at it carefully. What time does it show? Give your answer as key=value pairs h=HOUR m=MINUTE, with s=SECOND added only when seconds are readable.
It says h=9 m=3 s=2
